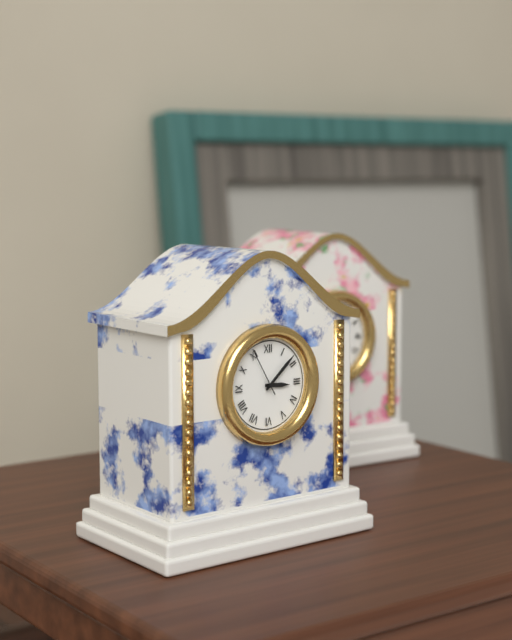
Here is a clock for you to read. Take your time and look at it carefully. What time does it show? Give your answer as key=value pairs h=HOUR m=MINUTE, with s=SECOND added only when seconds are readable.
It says h=3 m=8
